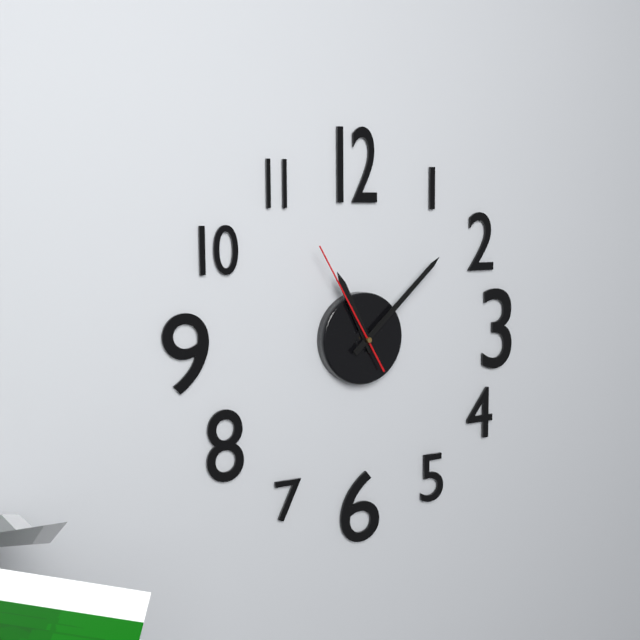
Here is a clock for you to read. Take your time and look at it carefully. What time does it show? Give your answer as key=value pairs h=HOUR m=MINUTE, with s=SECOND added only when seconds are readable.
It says h=11 m=8 s=55
